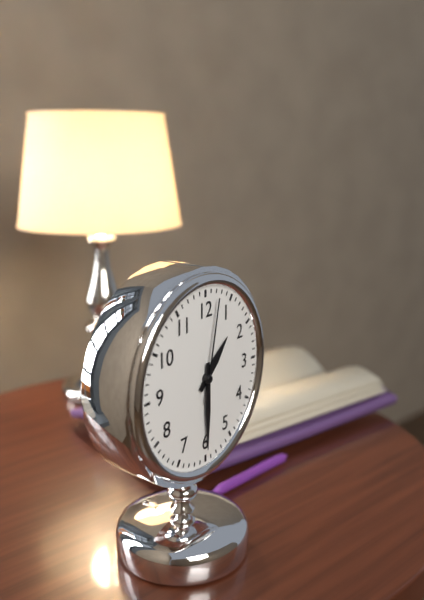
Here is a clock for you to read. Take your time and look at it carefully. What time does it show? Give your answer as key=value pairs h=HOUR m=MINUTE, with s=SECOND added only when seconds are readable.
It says h=1 m=30 s=2
